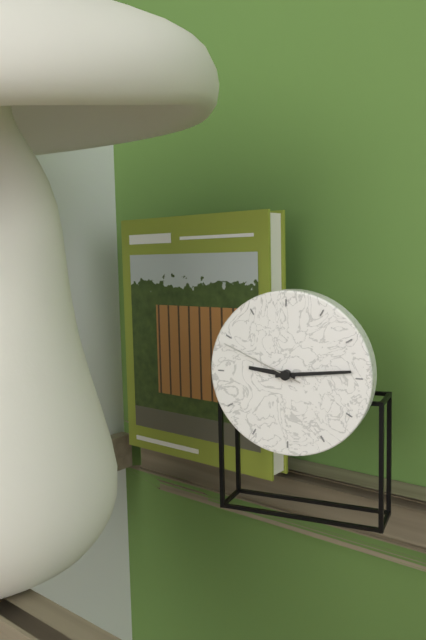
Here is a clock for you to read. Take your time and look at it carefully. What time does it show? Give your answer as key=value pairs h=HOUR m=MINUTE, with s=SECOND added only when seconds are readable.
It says h=9 m=14 s=49
